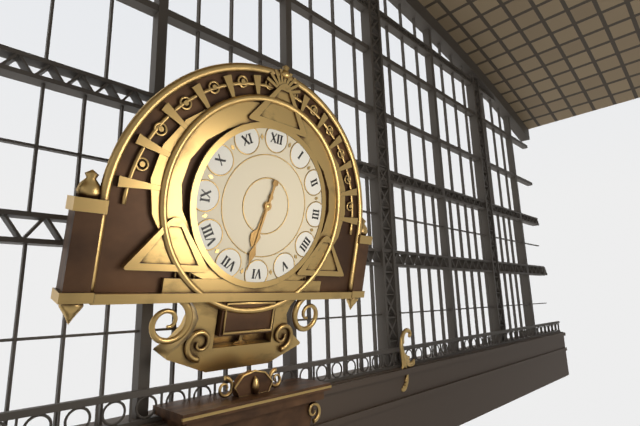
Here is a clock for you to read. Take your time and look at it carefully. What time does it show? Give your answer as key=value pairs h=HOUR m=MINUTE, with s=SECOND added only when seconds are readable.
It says h=6 m=32
